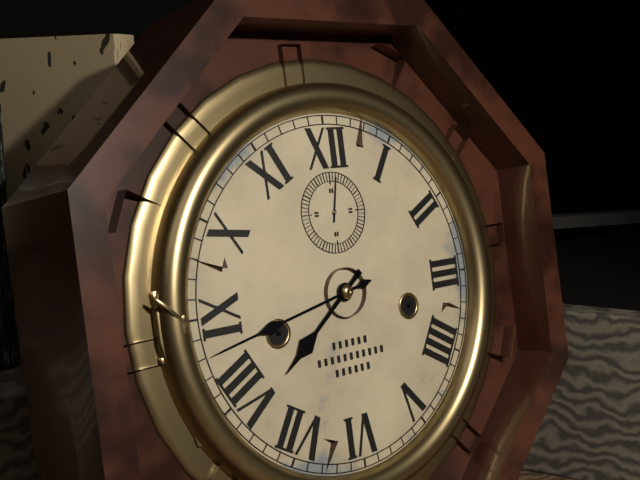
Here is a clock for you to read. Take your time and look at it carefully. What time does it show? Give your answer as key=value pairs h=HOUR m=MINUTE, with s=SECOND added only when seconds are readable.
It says h=7 m=43
